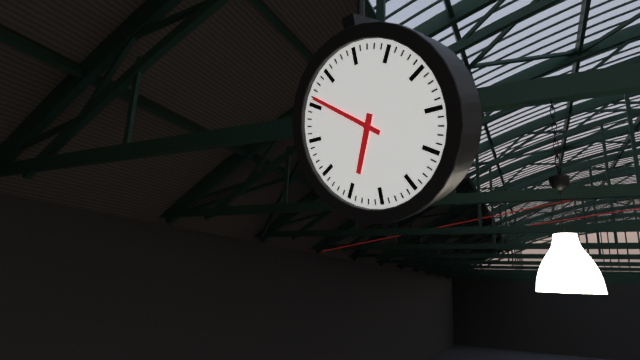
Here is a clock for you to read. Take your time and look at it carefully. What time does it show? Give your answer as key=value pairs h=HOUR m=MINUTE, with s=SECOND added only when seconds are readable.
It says h=6 m=51
